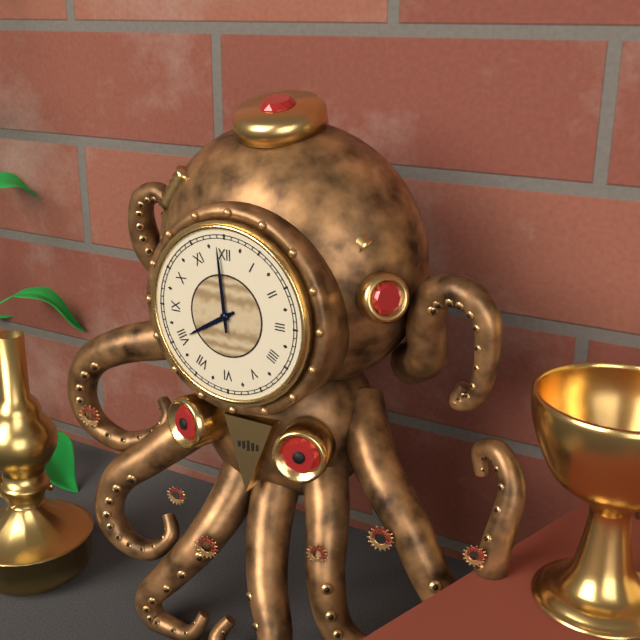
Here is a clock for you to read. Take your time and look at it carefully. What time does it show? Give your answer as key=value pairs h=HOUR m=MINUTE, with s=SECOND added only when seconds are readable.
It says h=7 m=59
